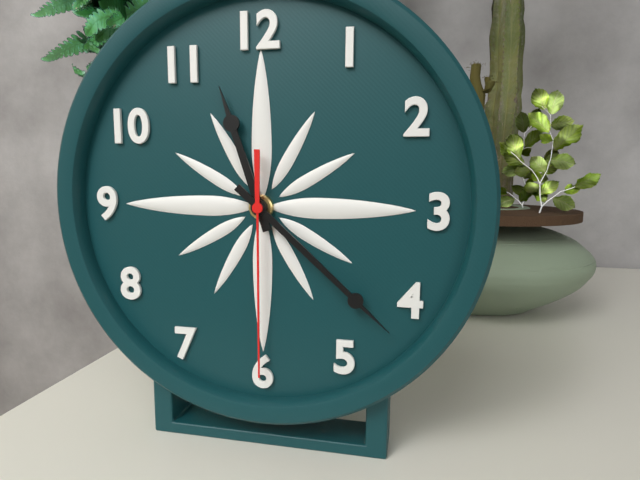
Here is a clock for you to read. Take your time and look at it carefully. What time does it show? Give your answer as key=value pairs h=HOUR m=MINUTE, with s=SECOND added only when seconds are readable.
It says h=11 m=22 s=30
